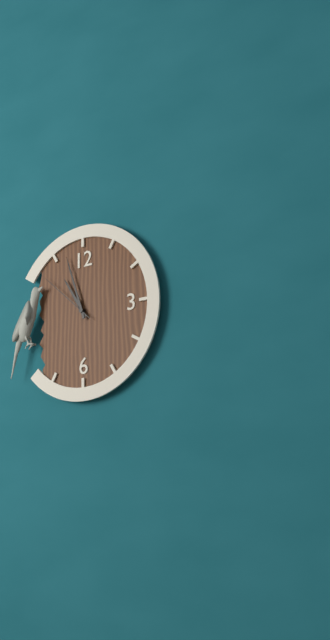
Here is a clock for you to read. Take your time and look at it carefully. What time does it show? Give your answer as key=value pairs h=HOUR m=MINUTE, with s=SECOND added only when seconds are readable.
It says h=10 m=57 s=52
